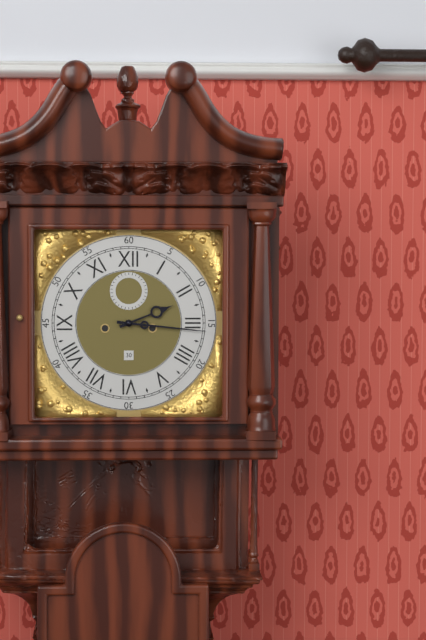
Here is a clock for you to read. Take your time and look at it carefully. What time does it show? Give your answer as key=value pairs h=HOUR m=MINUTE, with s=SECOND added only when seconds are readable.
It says h=2 m=16
